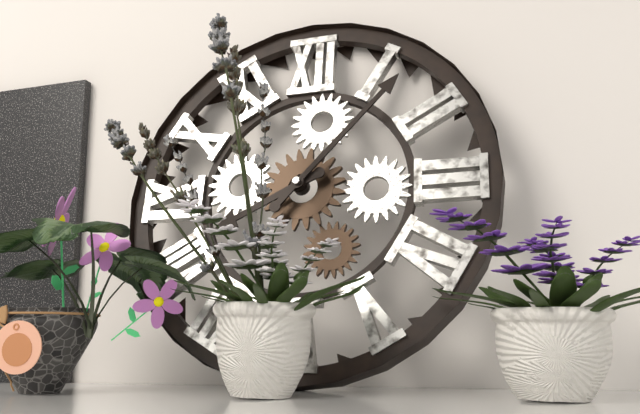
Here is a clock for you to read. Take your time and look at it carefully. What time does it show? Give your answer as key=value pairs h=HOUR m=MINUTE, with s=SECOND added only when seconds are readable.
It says h=8 m=7
